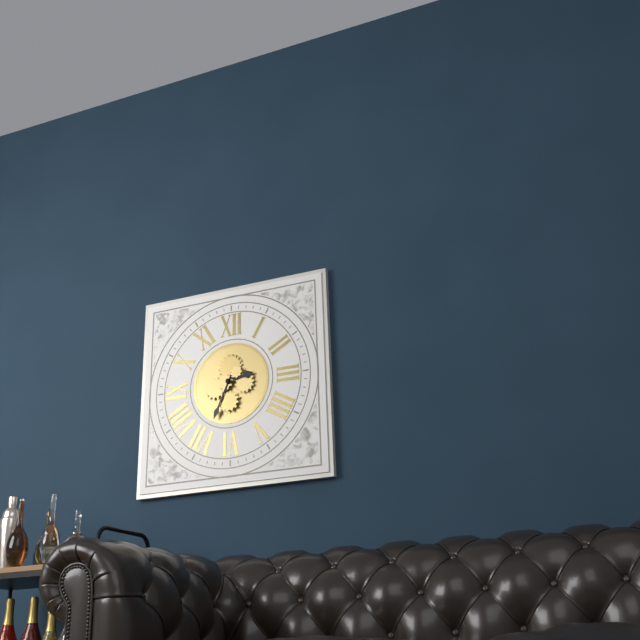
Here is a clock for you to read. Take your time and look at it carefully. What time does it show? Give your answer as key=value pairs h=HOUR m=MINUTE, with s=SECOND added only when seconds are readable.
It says h=2 m=34
